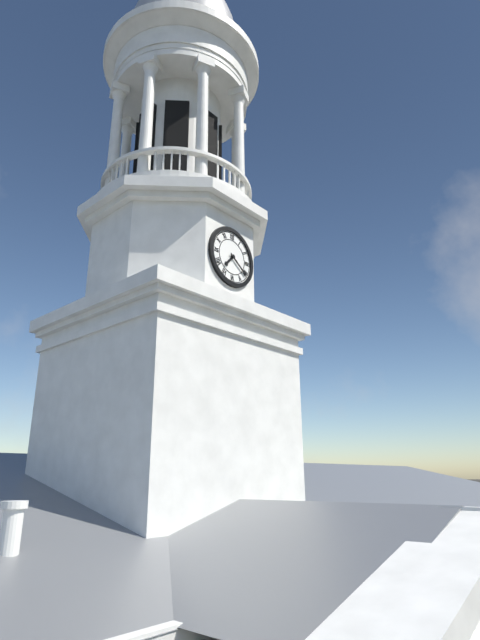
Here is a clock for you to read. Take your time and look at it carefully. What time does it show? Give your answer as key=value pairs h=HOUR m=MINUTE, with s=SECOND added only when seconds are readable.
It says h=7 m=21
